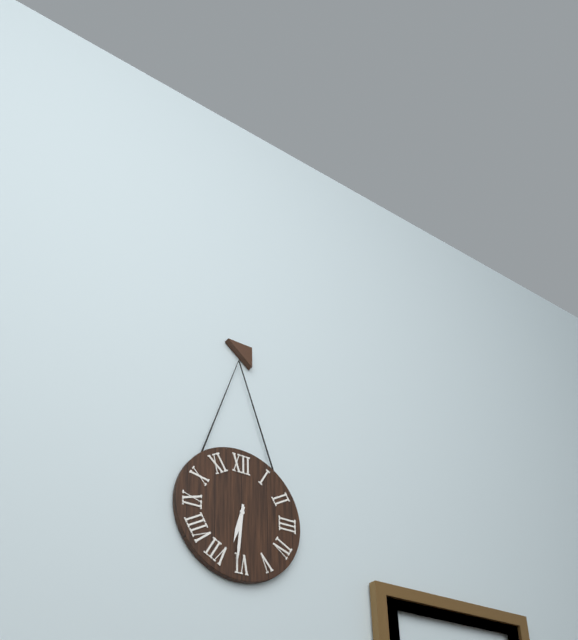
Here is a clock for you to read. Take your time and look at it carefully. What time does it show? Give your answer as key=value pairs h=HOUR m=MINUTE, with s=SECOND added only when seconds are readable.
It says h=6 m=31
